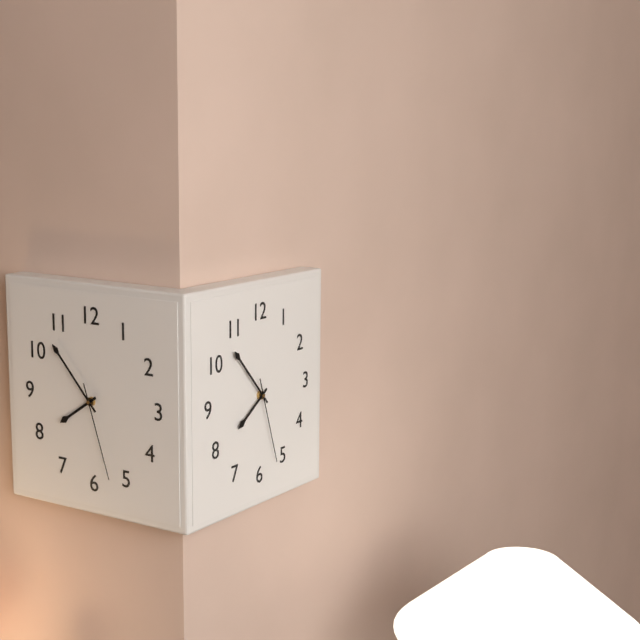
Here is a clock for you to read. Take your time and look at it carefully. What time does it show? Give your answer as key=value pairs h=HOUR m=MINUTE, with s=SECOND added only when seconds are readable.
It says h=7 m=53 s=27
